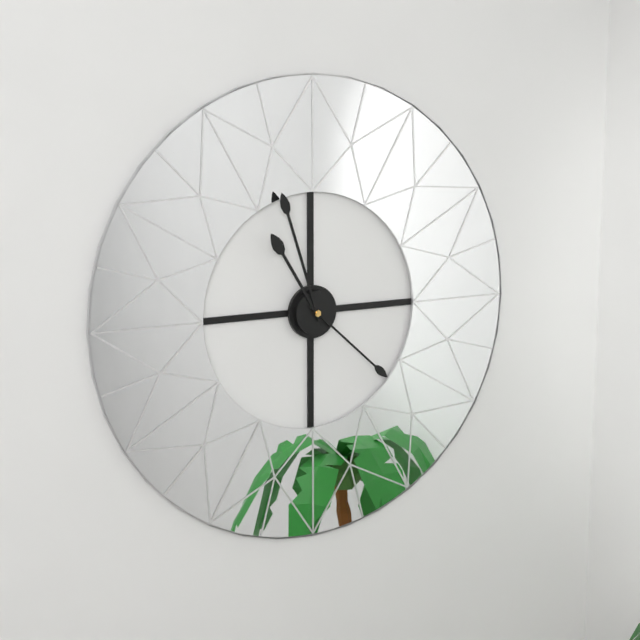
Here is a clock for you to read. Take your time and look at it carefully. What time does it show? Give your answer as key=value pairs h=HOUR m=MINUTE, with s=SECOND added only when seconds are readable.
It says h=10 m=57 s=22
